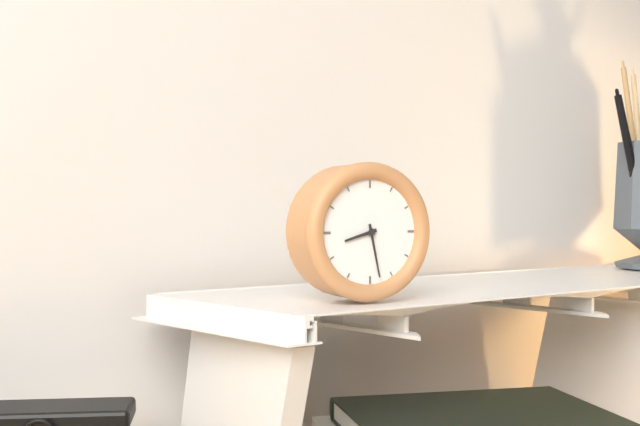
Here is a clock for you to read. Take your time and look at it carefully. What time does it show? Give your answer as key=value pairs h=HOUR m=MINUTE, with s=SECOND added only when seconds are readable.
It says h=8 m=28
